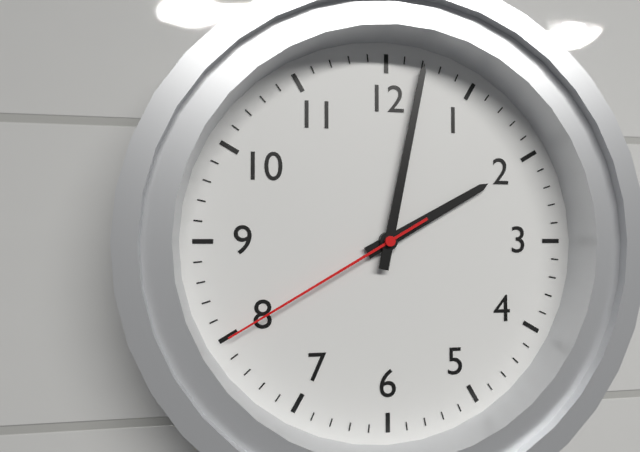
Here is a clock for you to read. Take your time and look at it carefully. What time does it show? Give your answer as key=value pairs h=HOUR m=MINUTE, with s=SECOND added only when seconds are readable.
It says h=2 m=2 s=40
